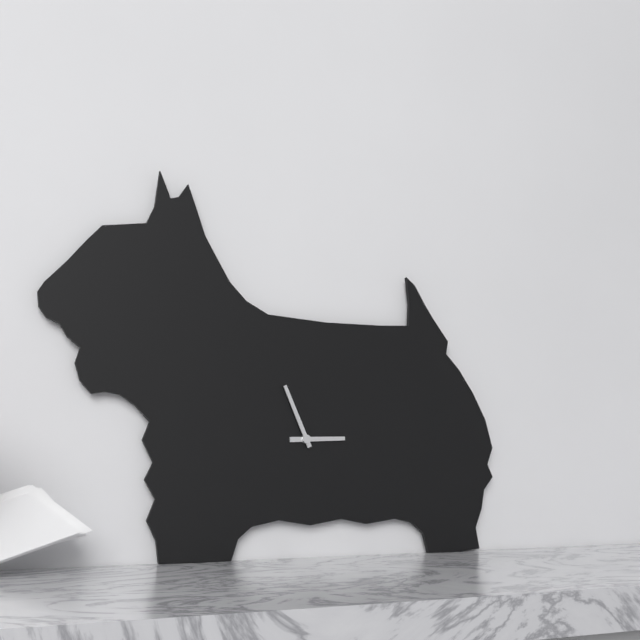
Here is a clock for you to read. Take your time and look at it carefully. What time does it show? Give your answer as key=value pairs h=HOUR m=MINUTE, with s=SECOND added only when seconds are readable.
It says h=2 m=56
